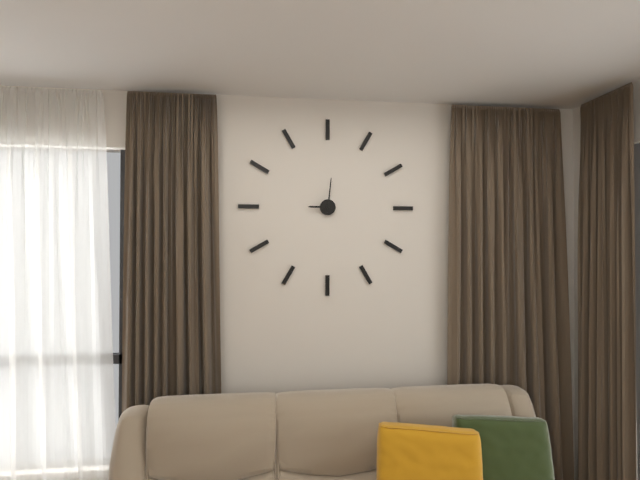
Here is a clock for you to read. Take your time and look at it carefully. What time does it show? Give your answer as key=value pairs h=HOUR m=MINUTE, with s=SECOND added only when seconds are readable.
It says h=9 m=1
